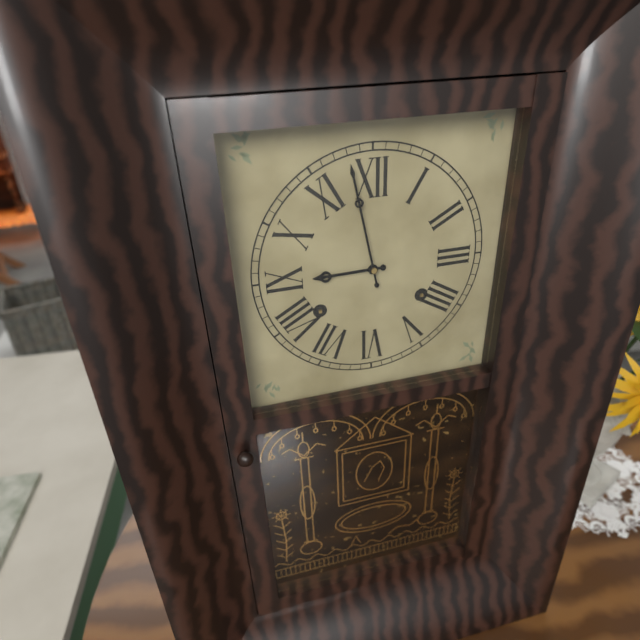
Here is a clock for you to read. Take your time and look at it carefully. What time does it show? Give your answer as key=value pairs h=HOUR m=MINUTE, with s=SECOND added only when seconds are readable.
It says h=8 m=58
